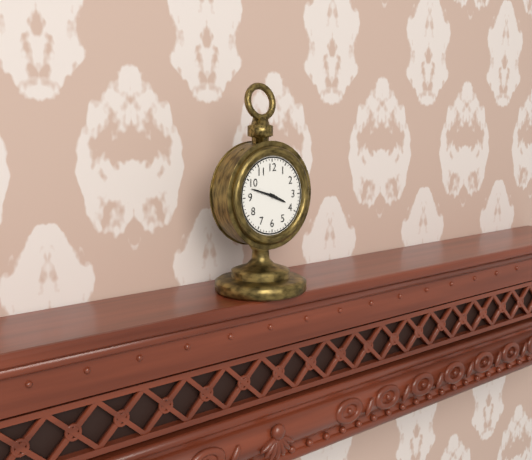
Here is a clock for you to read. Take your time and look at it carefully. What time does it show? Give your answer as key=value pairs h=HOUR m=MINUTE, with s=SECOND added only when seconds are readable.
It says h=3 m=48
